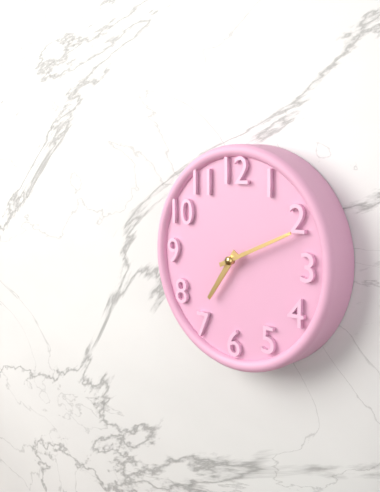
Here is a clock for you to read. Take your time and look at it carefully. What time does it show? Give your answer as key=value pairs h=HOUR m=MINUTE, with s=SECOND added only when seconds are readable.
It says h=7 m=11
